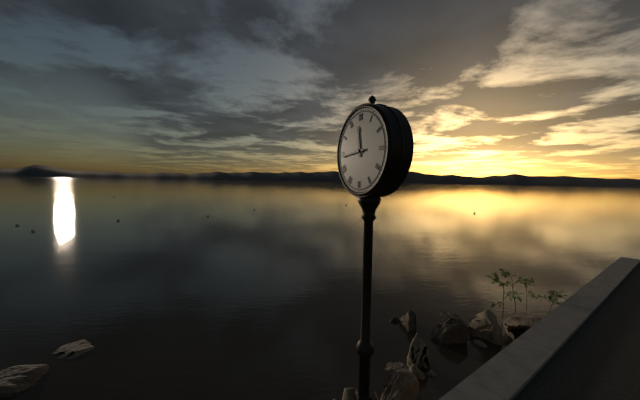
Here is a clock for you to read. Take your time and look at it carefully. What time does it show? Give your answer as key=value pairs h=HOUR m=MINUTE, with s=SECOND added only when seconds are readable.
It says h=11 m=44
